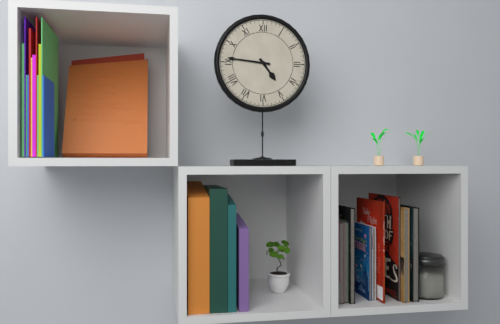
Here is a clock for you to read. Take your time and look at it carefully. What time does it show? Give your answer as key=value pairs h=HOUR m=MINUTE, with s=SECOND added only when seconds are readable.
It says h=4 m=46
